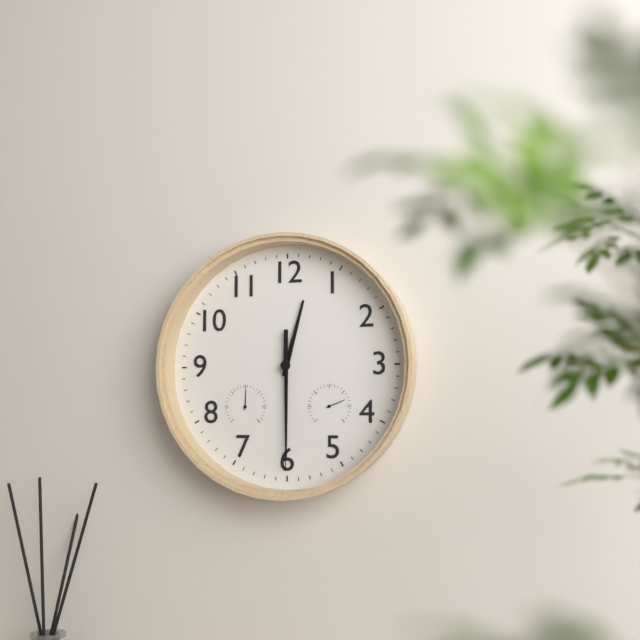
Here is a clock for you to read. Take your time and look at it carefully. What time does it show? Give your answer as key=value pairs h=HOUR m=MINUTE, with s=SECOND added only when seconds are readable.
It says h=12 m=30 s=30
